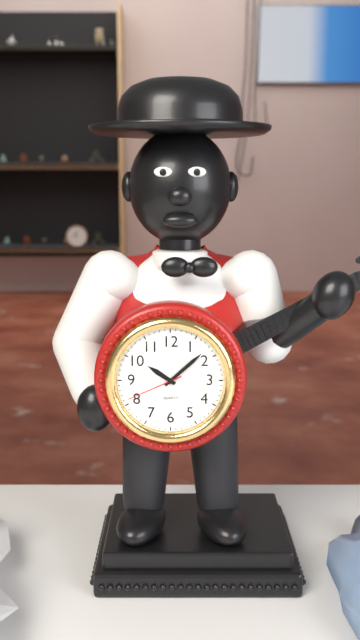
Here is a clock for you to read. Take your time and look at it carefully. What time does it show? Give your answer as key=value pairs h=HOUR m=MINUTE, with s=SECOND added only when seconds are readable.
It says h=10 m=8 s=41
